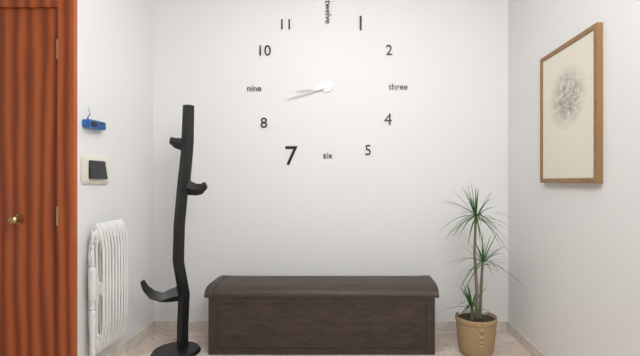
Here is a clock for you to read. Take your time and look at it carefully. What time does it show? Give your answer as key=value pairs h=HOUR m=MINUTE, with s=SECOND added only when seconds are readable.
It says h=8 m=42
